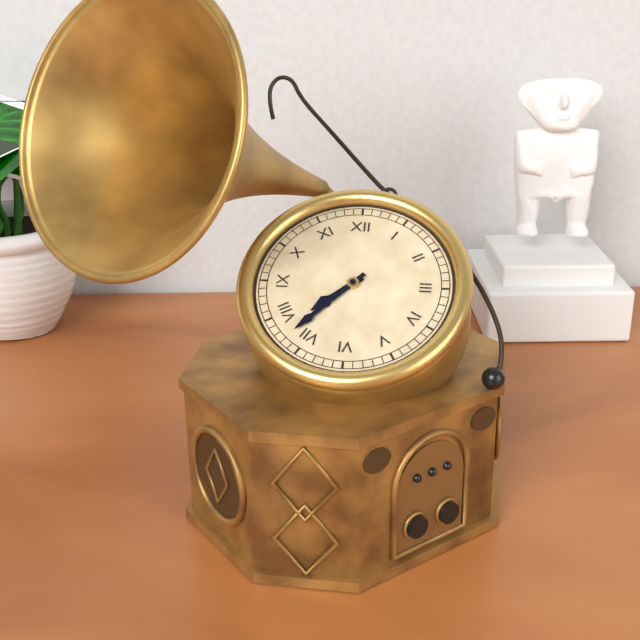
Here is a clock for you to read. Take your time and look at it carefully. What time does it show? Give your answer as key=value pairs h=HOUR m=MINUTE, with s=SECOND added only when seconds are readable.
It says h=7 m=37
